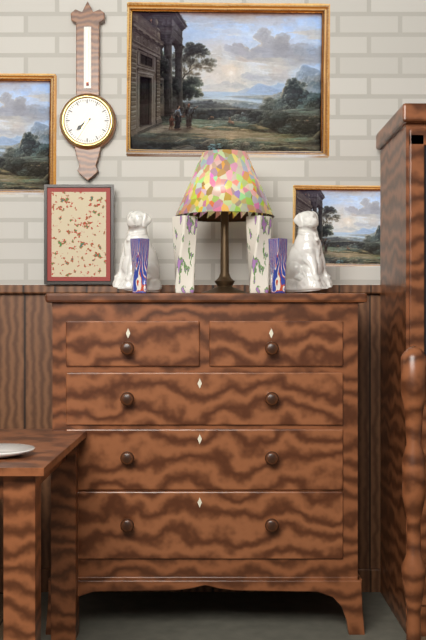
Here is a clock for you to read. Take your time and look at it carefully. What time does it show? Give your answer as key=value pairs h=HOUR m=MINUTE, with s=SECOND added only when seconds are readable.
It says h=7 m=35
